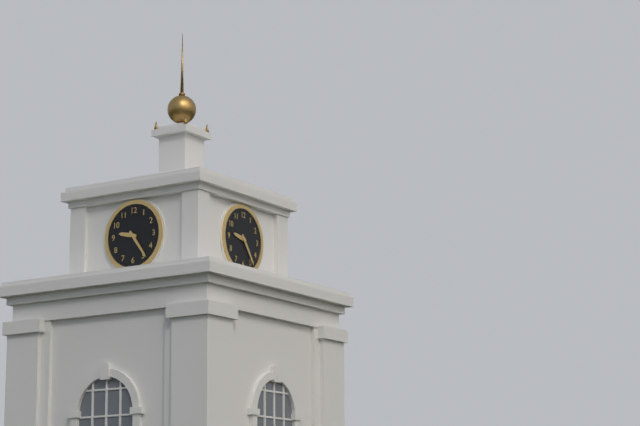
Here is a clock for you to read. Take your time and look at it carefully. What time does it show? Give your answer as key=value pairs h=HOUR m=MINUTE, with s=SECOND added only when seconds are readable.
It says h=9 m=24
